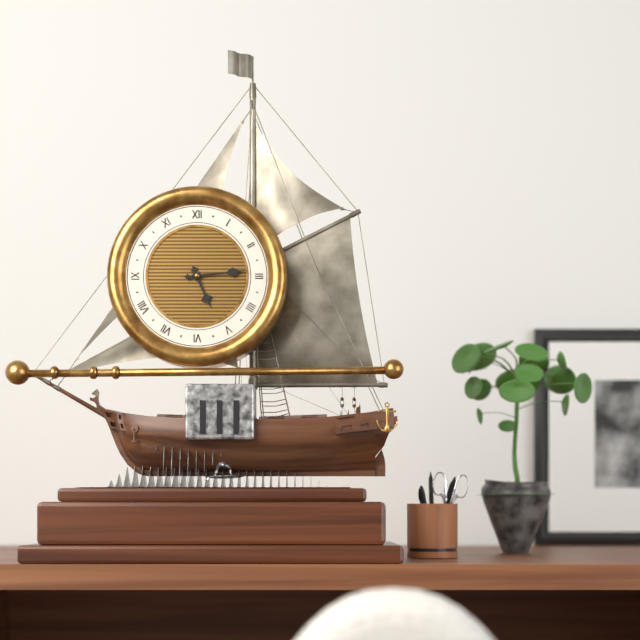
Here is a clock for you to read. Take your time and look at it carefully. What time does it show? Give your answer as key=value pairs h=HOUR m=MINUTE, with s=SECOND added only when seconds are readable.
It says h=5 m=14
